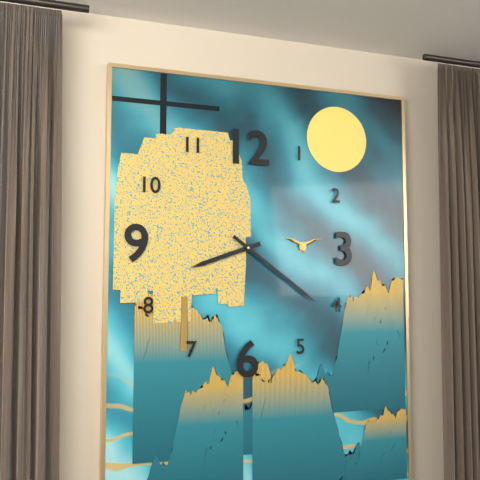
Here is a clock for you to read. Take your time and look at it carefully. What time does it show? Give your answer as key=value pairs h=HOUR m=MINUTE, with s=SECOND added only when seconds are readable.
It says h=8 m=21
